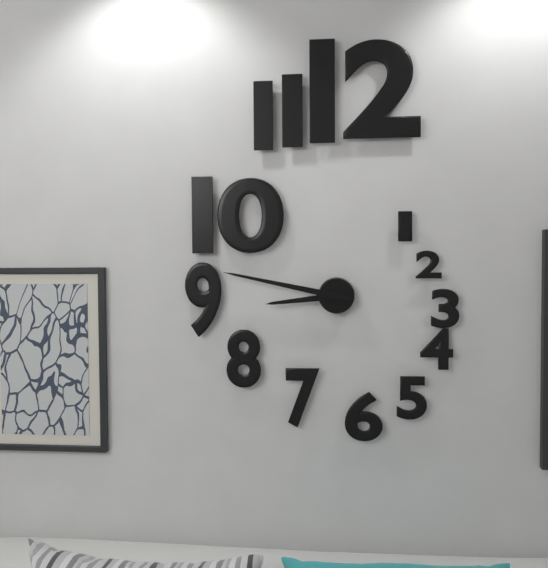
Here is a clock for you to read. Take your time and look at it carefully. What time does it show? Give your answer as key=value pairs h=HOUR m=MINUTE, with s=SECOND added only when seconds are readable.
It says h=8 m=47
